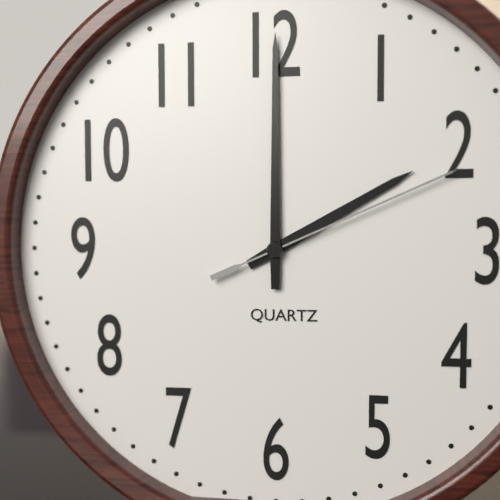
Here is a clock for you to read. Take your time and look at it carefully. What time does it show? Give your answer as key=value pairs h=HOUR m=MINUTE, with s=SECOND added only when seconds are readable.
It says h=2 m=0 s=11
